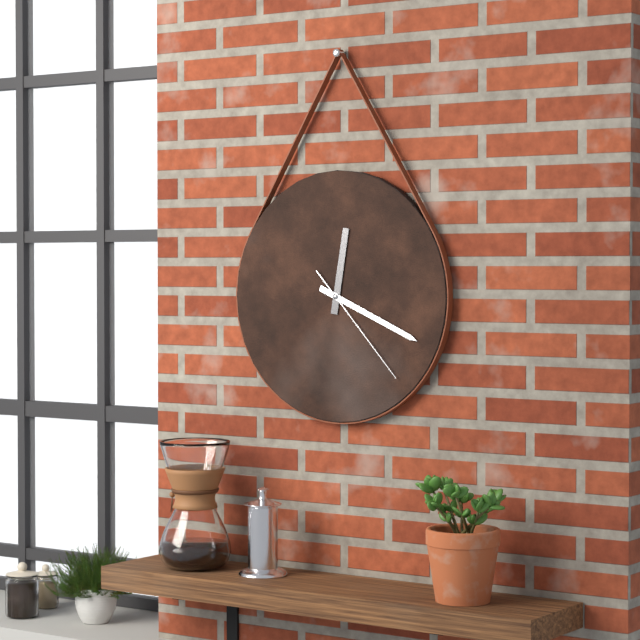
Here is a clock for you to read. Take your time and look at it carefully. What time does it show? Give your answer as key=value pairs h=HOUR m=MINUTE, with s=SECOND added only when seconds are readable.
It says h=12 m=19 s=23
